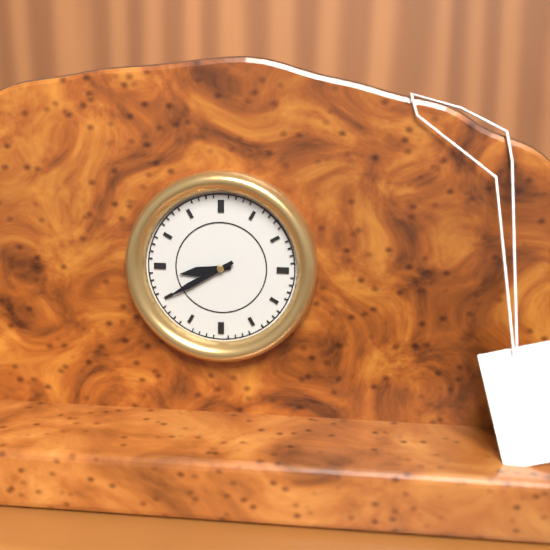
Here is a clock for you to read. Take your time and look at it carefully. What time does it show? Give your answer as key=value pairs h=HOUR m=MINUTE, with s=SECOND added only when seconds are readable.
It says h=8 m=40
